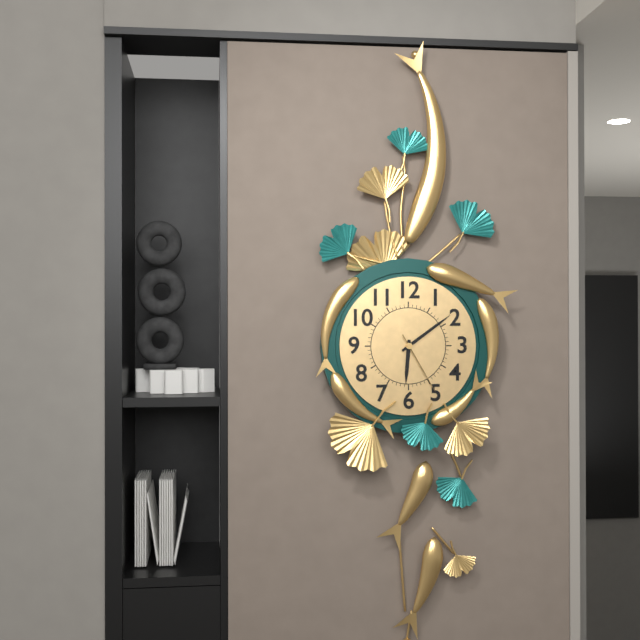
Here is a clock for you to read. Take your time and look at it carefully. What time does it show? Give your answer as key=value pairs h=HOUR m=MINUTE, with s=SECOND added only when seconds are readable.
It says h=6 m=9 s=25
